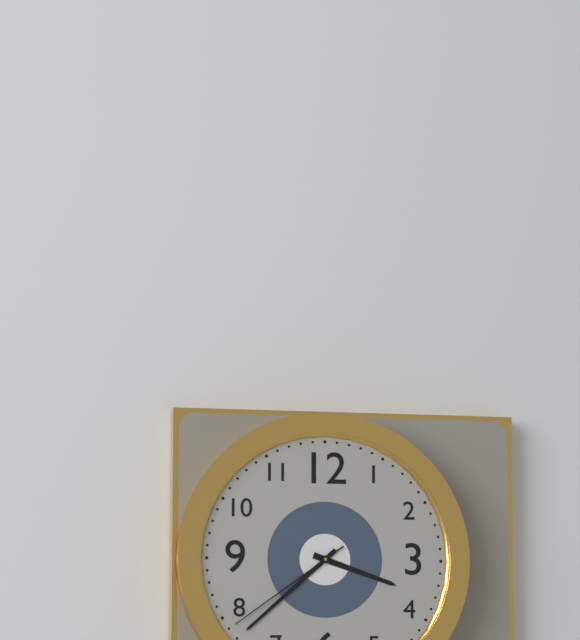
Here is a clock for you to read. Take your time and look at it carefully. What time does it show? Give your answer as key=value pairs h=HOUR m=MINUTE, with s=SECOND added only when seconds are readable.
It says h=3 m=38 s=39
